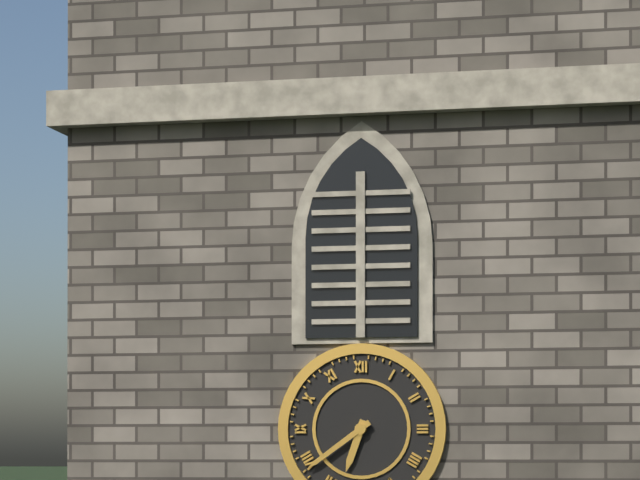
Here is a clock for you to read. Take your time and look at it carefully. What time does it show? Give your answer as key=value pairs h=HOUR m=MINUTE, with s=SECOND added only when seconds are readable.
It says h=6 m=39
